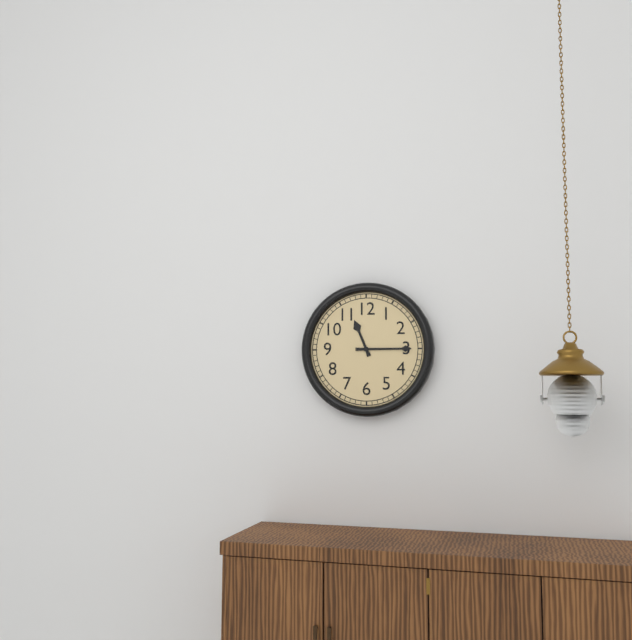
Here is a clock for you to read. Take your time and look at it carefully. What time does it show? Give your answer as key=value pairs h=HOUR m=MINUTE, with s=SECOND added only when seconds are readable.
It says h=11 m=15
